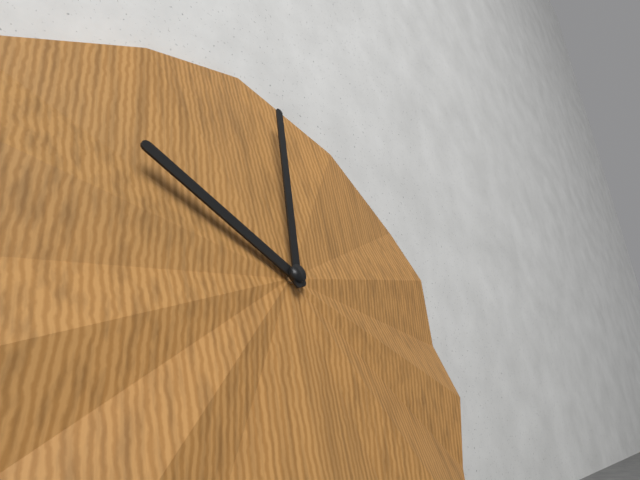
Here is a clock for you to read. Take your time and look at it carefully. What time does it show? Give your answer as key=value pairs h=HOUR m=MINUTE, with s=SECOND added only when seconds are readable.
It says h=10 m=1
